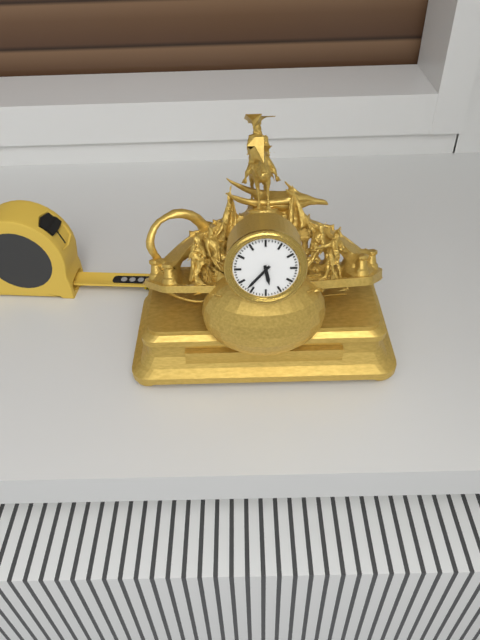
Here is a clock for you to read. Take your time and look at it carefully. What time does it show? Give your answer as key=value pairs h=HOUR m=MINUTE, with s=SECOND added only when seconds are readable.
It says h=5 m=37
